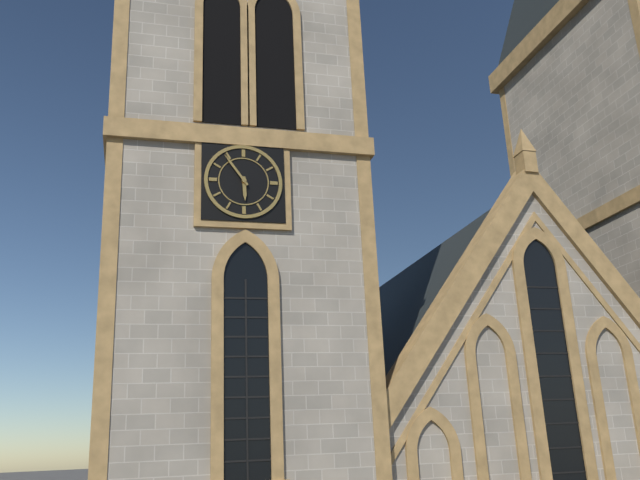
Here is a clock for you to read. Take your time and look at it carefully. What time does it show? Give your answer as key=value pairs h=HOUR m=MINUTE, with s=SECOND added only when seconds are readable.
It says h=5 m=54
